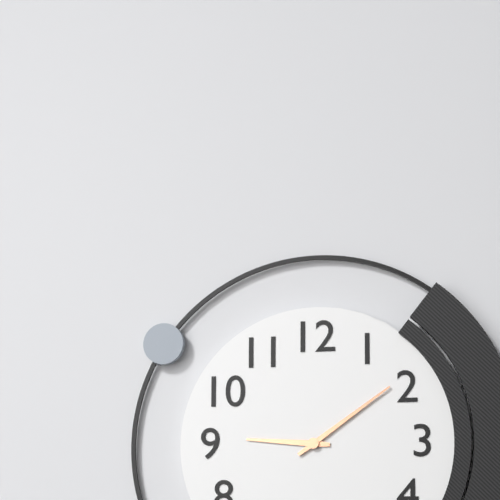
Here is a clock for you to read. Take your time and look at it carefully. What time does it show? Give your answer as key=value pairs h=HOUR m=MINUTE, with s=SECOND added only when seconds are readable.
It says h=9 m=9
